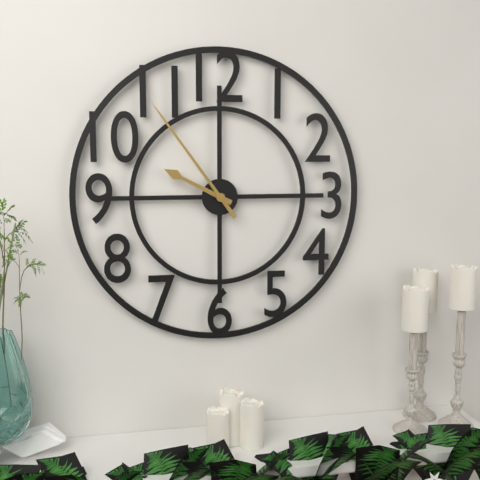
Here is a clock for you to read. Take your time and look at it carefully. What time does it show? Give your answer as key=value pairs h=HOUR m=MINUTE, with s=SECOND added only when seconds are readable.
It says h=9 m=54
